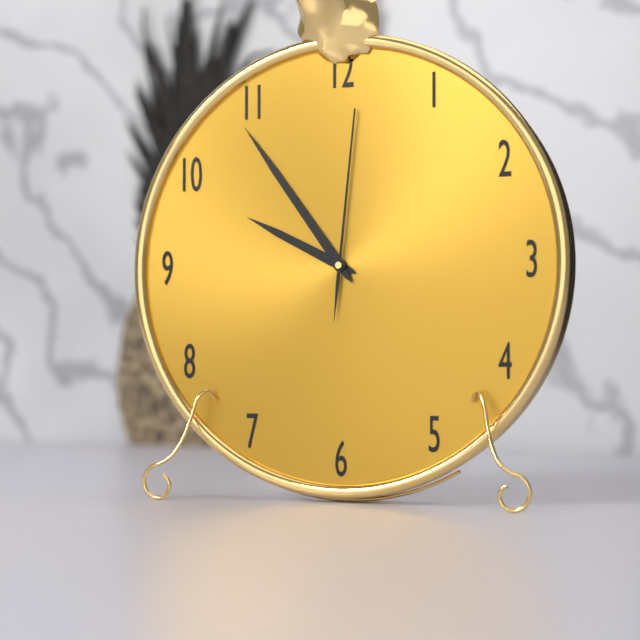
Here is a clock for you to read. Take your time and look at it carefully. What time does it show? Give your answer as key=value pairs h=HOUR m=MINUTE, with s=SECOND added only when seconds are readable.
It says h=9 m=54 s=1
